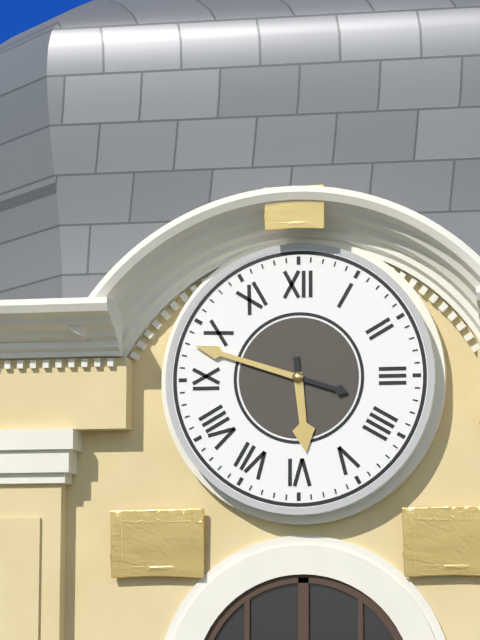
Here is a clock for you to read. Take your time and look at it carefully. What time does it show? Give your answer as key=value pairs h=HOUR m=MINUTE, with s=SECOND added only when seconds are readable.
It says h=5 m=48
